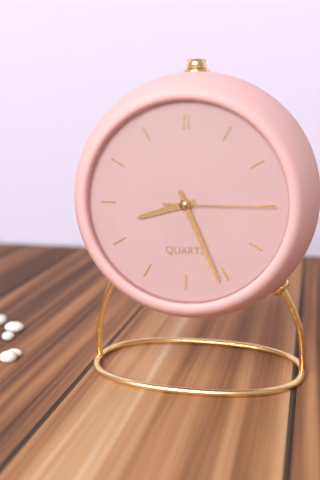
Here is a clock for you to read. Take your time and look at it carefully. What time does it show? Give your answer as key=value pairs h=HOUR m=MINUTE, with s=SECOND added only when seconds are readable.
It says h=8 m=26 s=15
